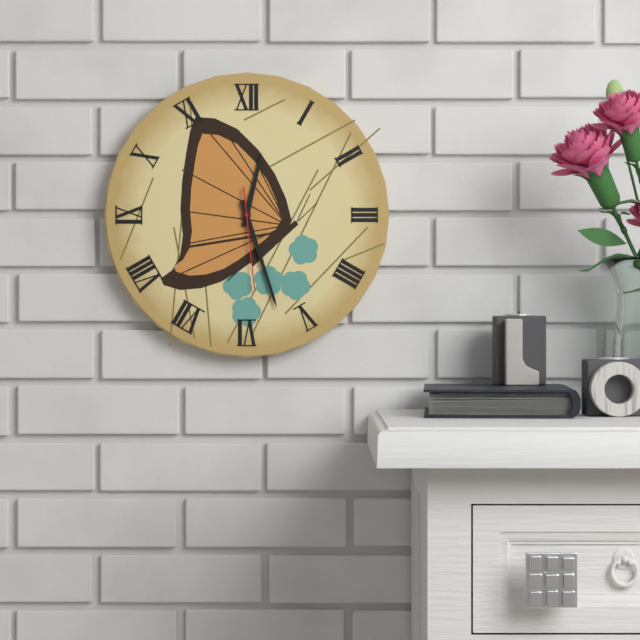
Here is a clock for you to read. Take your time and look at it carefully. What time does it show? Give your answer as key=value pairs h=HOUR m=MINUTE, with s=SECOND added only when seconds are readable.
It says h=12 m=27 s=29
